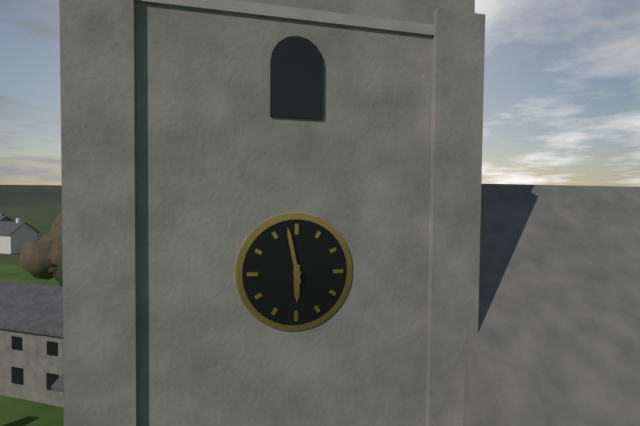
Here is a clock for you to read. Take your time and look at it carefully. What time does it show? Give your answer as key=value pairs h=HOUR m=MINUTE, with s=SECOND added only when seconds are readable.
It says h=5 m=58
